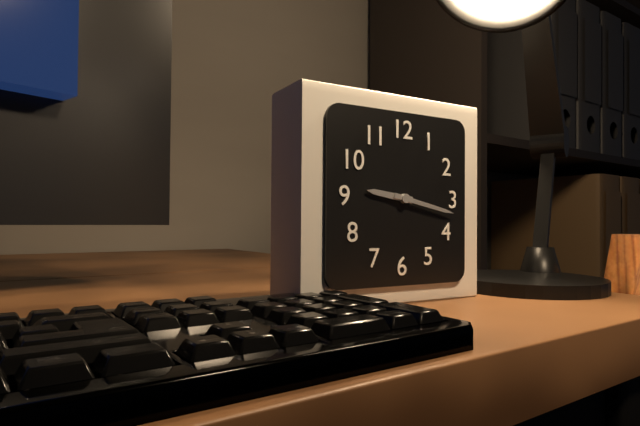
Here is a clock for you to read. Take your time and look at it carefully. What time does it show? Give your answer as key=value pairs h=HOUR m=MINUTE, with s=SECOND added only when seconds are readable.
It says h=9 m=17
